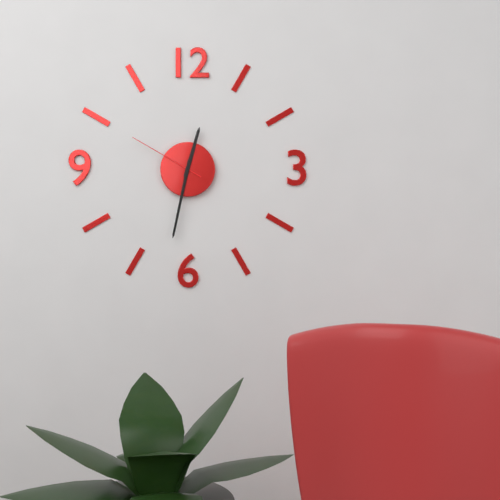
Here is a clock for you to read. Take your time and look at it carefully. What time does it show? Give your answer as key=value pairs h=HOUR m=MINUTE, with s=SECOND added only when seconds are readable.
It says h=12 m=32 s=50
